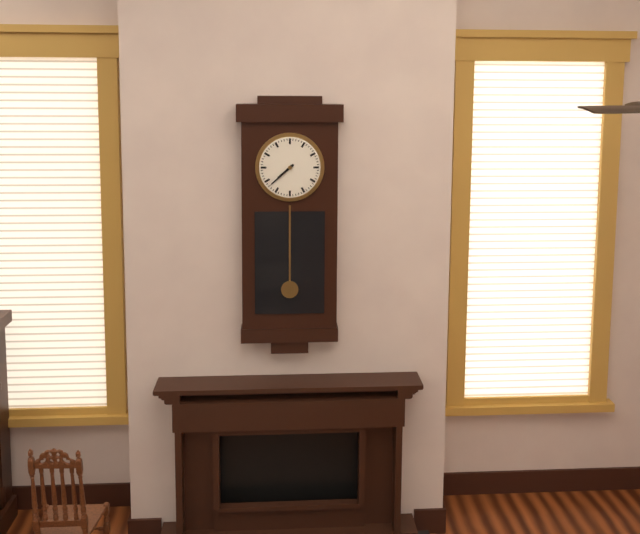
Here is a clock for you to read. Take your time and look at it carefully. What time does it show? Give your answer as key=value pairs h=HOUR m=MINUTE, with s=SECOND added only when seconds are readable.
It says h=7 m=38
